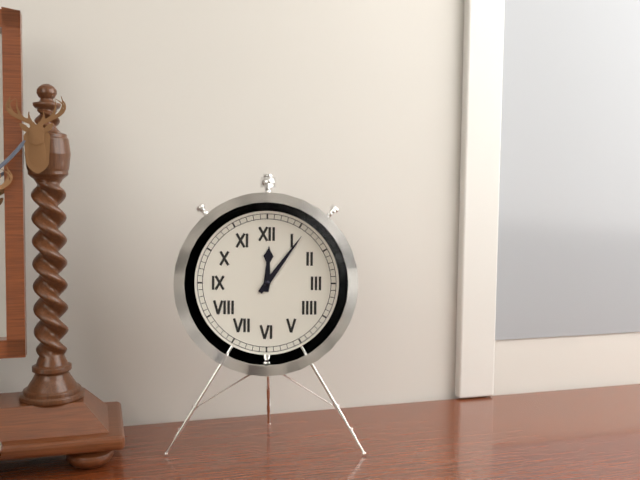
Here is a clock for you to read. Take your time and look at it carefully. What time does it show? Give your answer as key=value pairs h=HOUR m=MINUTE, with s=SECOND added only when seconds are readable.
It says h=12 m=6
